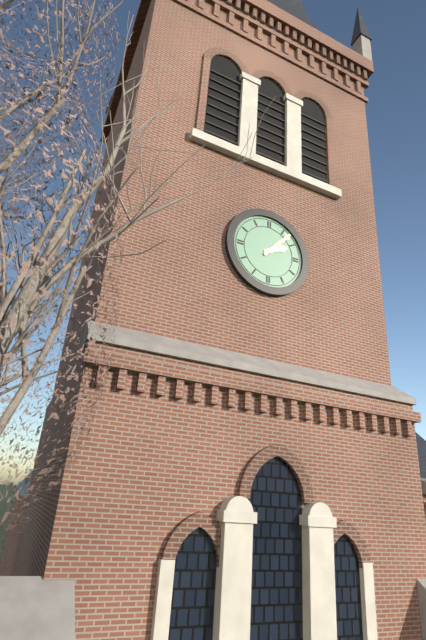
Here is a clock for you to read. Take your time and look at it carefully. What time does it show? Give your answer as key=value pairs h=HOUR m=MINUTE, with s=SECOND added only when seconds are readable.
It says h=2 m=7
